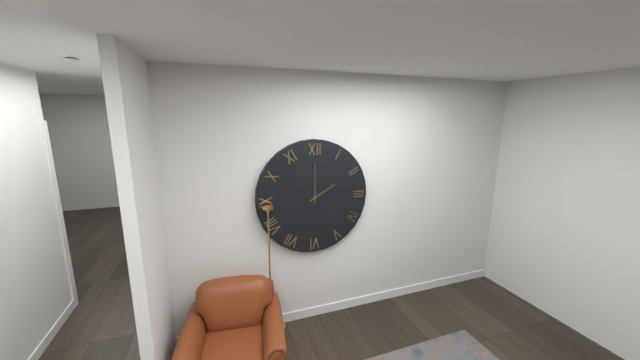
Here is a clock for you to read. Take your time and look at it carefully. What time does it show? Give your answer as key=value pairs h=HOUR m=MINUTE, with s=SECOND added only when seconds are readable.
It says h=2 m=0
